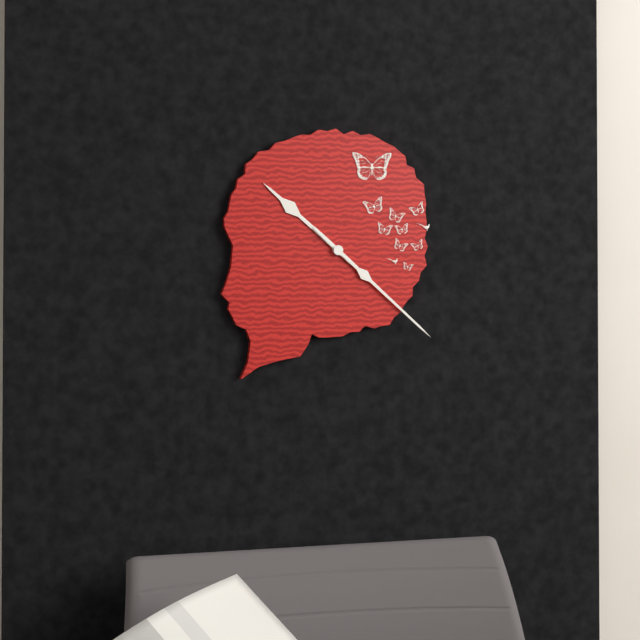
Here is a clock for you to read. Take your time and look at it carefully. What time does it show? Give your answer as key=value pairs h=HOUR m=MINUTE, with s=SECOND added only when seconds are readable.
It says h=10 m=22
